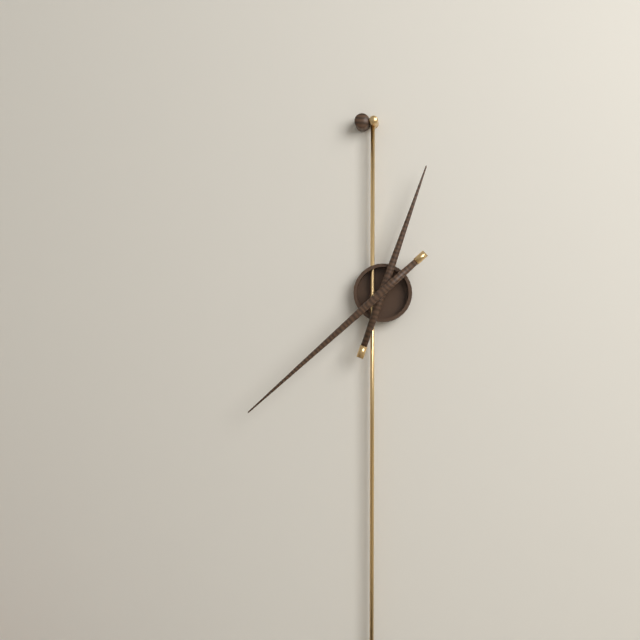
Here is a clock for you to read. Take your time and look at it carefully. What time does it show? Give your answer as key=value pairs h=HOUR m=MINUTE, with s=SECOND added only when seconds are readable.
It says h=12 m=38
